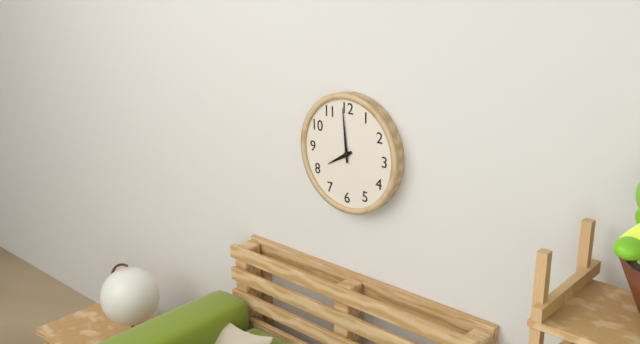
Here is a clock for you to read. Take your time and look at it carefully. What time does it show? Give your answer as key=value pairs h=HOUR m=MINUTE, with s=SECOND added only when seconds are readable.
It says h=7 m=59
